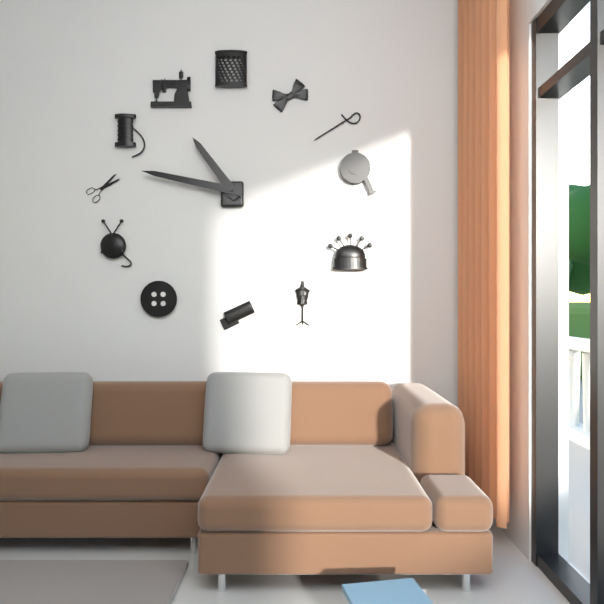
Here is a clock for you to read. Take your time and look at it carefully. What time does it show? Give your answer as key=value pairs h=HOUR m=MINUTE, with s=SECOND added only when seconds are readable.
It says h=10 m=47
